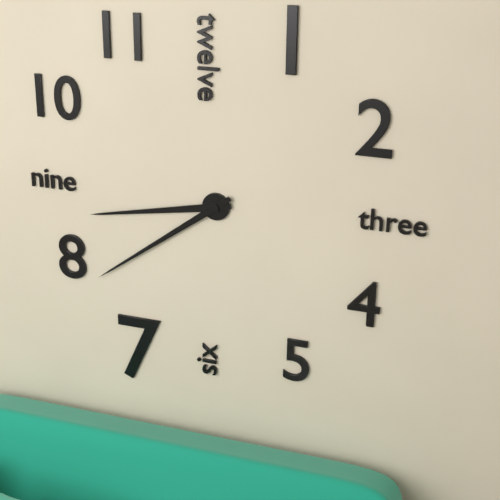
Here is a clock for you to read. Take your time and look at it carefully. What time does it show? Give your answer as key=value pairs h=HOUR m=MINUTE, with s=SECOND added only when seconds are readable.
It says h=8 m=39
